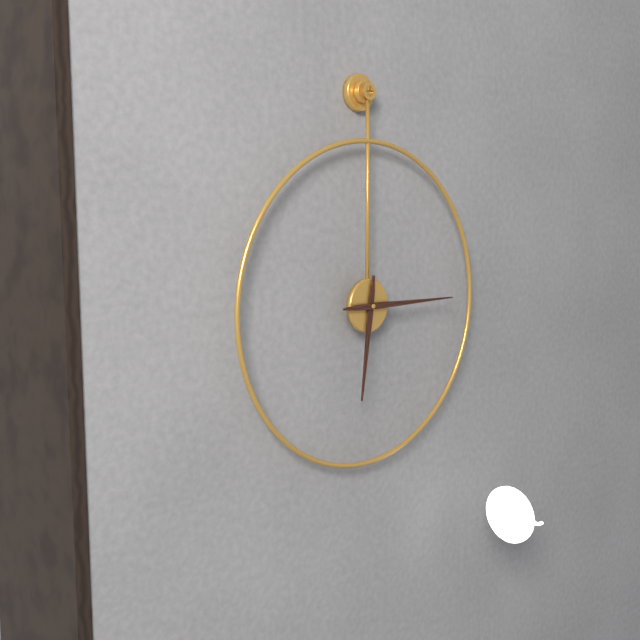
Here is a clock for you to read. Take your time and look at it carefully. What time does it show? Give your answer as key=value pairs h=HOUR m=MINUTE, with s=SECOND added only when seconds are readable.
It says h=6 m=15
